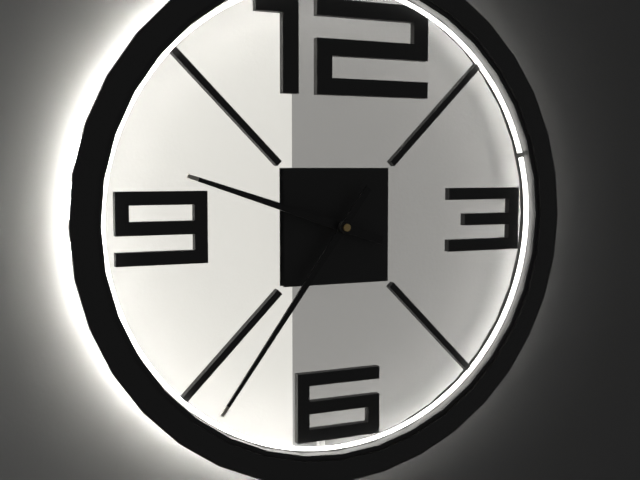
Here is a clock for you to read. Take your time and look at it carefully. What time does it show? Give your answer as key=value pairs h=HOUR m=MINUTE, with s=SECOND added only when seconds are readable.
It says h=9 m=36
